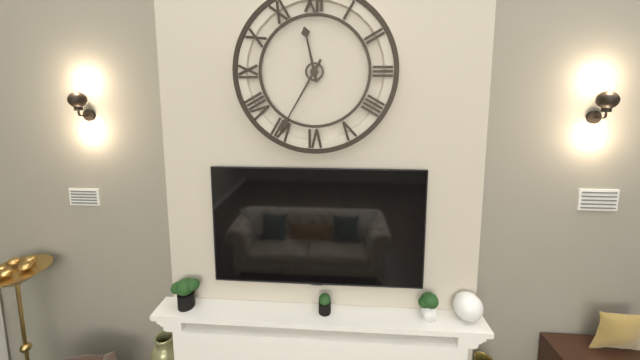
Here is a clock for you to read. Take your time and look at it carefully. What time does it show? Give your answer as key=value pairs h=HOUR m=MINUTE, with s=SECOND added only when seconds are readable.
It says h=11 m=35
